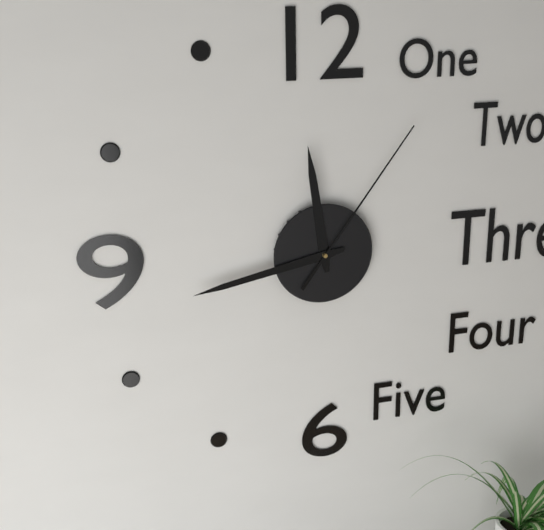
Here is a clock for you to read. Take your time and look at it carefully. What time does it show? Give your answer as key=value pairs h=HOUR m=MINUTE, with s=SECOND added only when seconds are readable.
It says h=11 m=43 s=6
